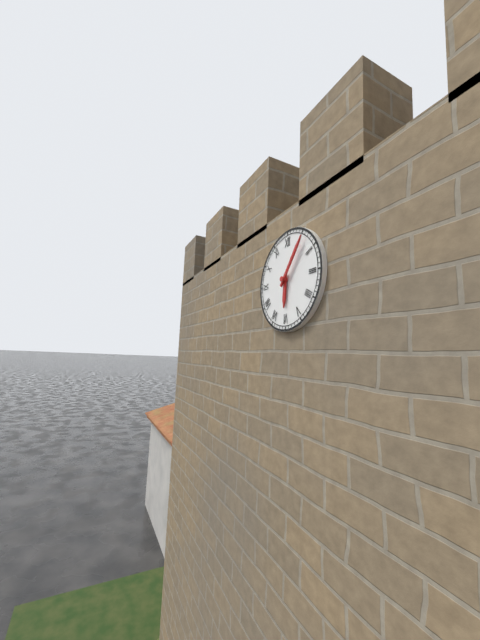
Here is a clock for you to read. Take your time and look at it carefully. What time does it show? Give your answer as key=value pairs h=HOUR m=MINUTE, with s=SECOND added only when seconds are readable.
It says h=6 m=6
